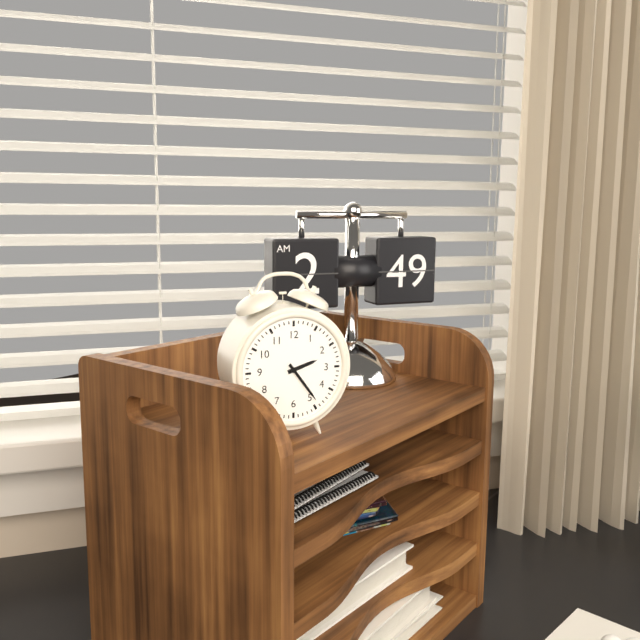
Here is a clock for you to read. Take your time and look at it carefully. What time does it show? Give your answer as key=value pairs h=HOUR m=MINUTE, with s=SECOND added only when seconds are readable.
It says h=2 m=24
